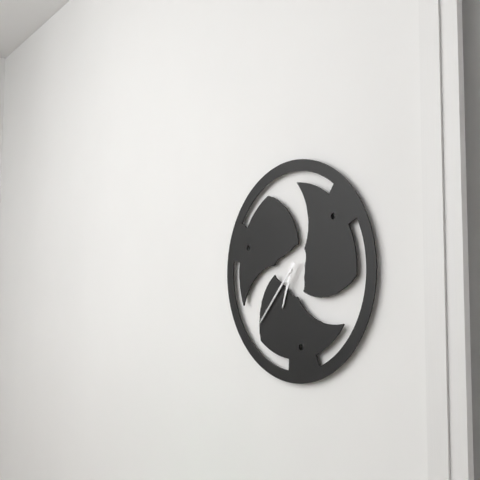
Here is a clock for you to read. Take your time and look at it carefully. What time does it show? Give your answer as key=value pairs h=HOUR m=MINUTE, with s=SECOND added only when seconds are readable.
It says h=6 m=37
